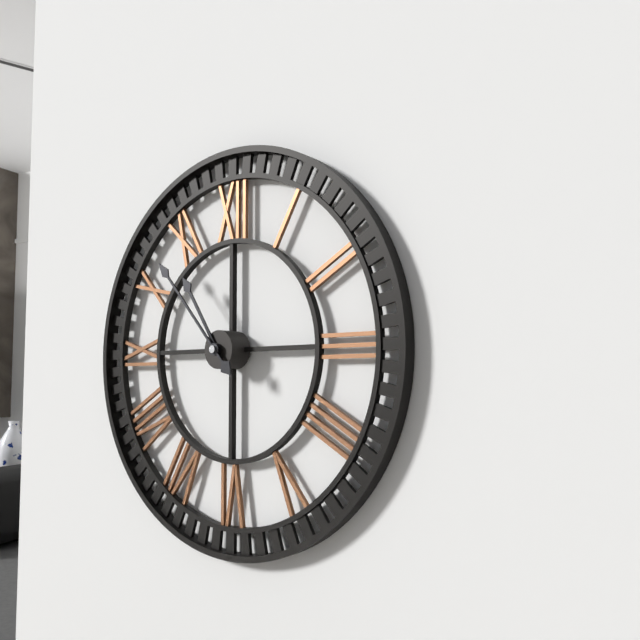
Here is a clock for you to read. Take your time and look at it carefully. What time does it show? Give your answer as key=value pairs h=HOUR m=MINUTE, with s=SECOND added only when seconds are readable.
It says h=10 m=53
